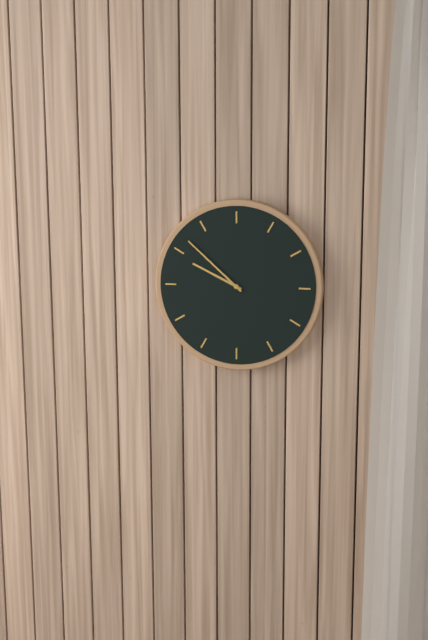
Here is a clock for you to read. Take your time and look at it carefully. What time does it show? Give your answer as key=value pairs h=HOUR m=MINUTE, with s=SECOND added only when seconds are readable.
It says h=9 m=52
